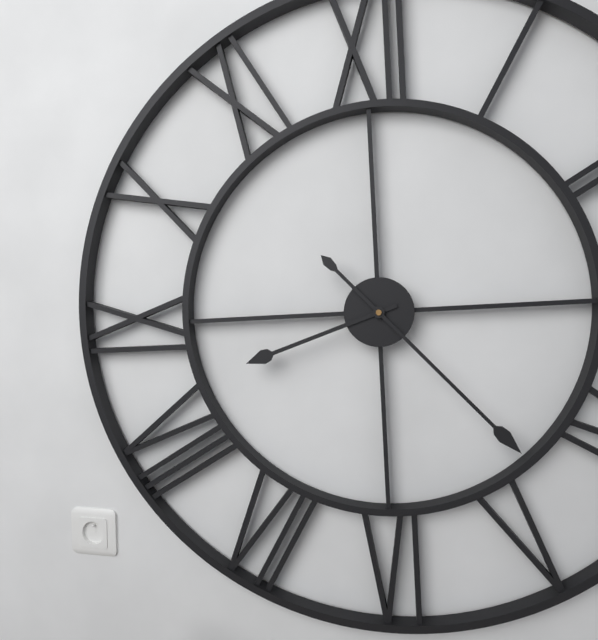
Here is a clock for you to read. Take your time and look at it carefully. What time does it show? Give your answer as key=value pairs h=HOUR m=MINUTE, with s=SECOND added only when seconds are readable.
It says h=8 m=23
